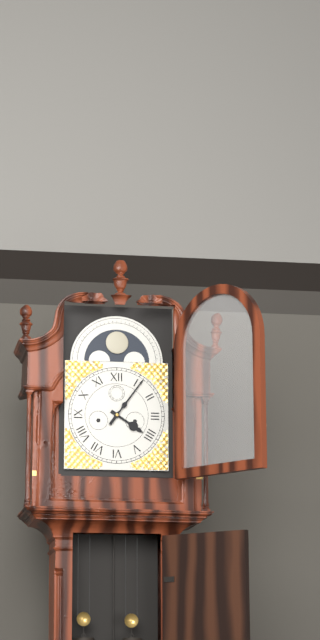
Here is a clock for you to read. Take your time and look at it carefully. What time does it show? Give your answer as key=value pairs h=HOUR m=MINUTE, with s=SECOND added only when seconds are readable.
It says h=4 m=6
